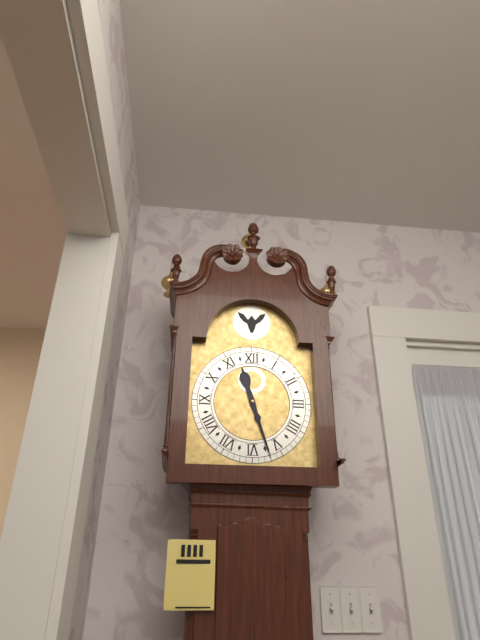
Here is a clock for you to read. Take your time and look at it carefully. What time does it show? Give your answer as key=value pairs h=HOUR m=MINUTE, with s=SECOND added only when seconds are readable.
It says h=11 m=27
